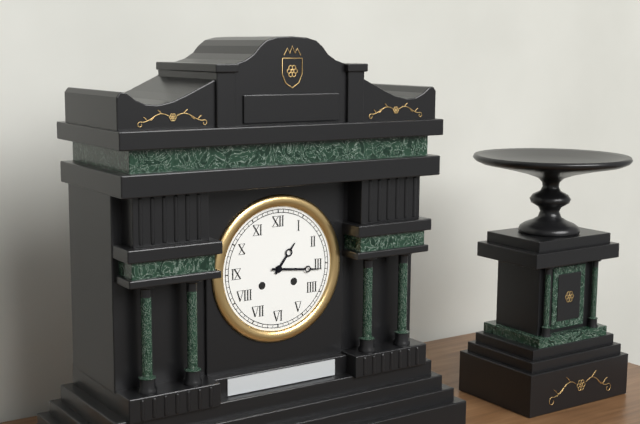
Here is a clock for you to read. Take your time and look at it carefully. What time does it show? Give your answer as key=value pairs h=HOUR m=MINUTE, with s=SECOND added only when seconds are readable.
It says h=1 m=16
